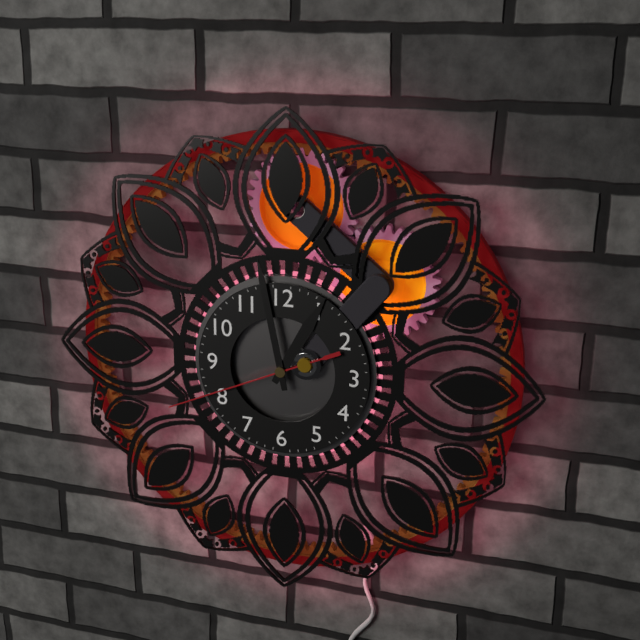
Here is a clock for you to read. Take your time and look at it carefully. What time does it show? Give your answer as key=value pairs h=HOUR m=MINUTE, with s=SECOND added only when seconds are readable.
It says h=12 m=58 s=41
